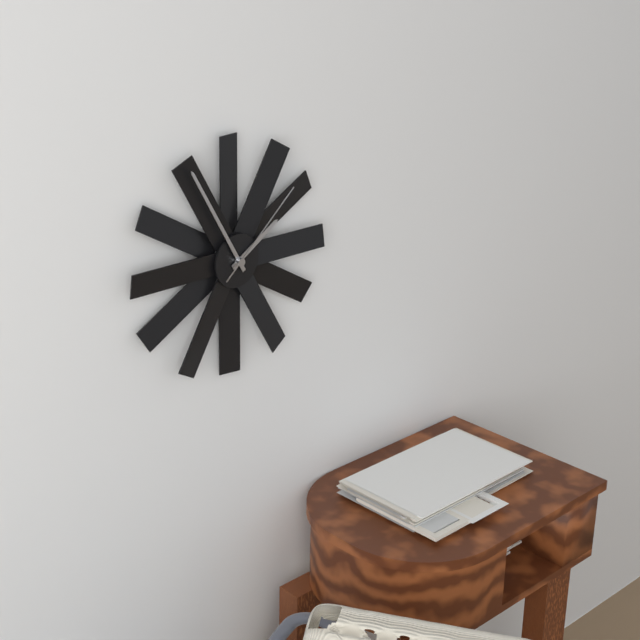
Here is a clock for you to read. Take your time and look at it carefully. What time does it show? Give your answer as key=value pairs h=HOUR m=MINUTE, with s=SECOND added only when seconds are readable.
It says h=1 m=55 s=8
